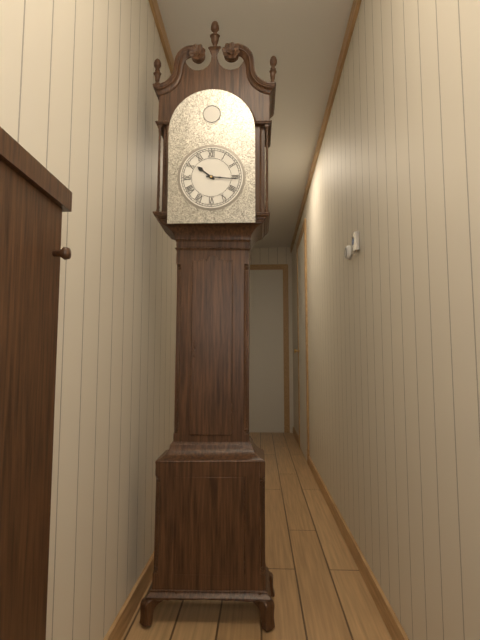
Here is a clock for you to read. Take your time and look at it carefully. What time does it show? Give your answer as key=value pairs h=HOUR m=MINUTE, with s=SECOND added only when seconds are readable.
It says h=10 m=16
